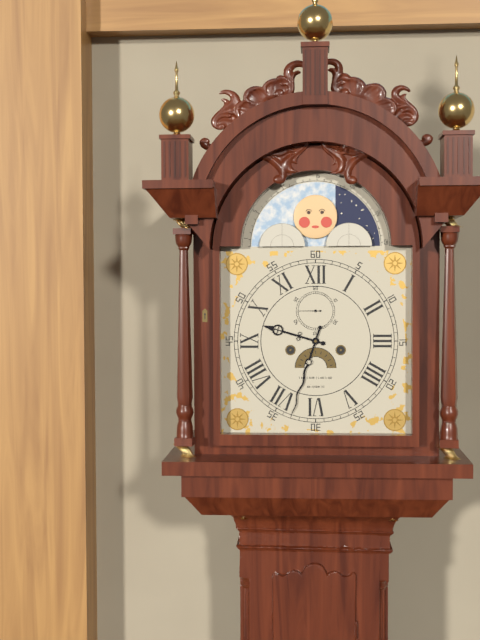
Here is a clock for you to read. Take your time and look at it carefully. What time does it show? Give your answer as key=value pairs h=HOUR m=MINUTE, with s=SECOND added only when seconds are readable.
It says h=9 m=33
